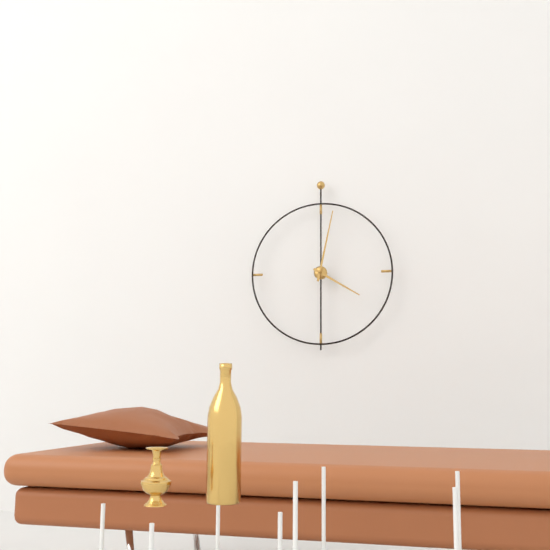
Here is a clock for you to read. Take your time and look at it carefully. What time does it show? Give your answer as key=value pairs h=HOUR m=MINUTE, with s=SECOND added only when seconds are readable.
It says h=4 m=2
